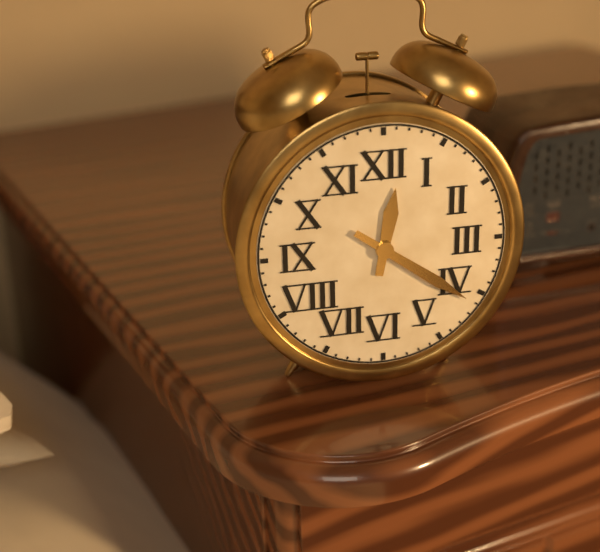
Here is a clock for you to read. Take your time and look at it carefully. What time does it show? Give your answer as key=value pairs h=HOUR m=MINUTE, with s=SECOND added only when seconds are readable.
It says h=12 m=21
